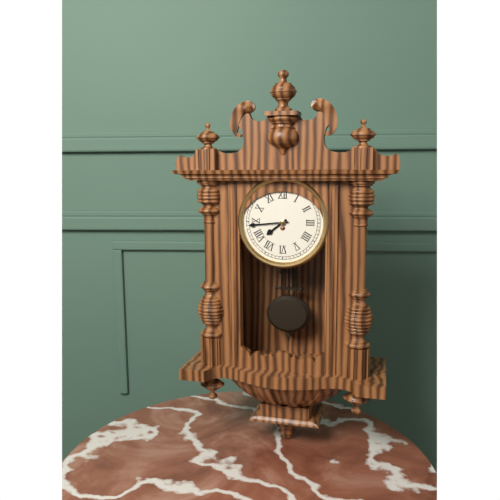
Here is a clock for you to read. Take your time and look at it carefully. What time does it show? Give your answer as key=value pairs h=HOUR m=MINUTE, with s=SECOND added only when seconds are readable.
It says h=7 m=44
